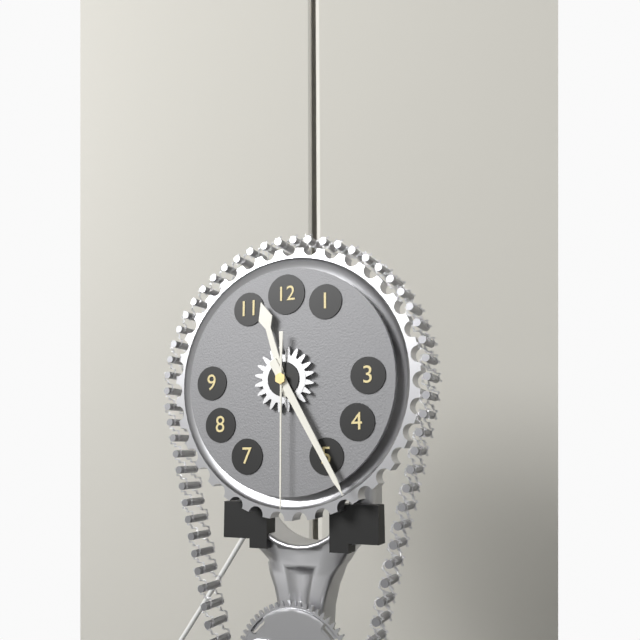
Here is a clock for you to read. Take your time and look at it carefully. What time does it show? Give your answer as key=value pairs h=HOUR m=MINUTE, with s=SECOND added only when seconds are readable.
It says h=11 m=25 s=30
